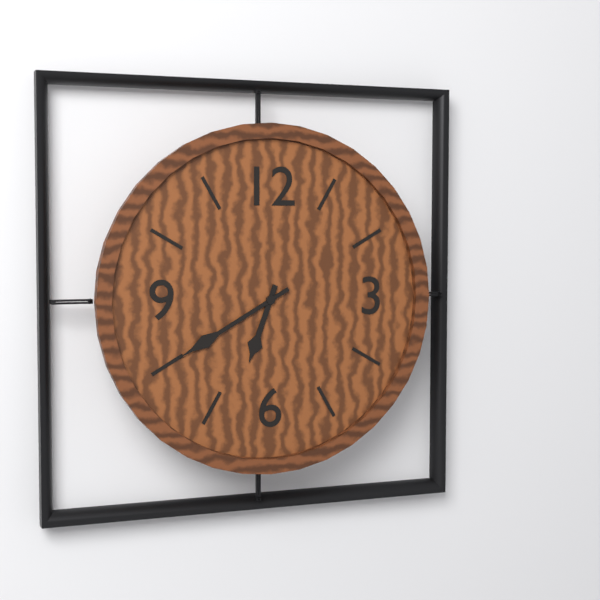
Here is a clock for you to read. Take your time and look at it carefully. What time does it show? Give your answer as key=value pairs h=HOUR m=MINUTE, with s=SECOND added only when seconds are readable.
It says h=6 m=40
